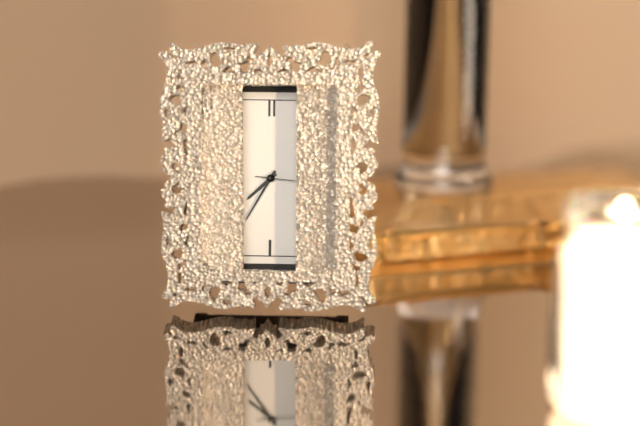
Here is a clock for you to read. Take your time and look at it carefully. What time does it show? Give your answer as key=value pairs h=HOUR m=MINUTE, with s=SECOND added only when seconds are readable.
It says h=7 m=35
